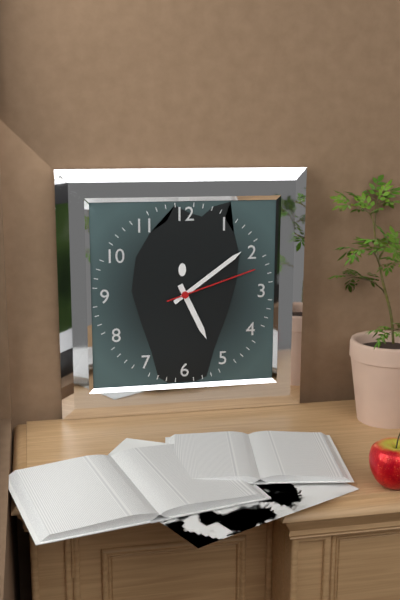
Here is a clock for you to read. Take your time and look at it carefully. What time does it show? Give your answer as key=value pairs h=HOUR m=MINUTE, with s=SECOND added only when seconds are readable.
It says h=5 m=9 s=12
